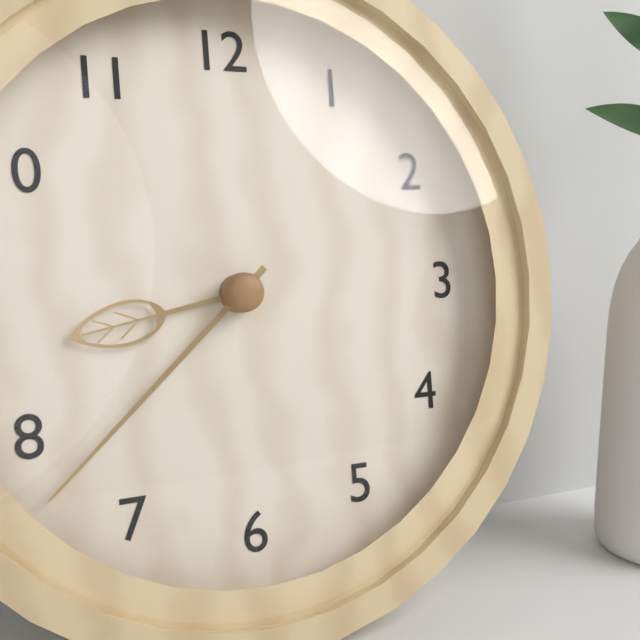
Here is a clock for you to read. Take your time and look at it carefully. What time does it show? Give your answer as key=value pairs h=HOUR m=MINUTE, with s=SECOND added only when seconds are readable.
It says h=8 m=38
